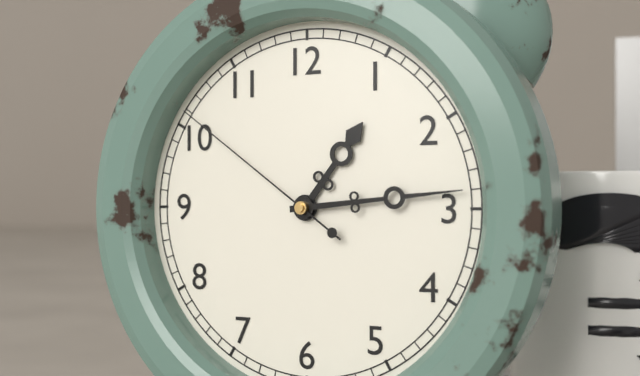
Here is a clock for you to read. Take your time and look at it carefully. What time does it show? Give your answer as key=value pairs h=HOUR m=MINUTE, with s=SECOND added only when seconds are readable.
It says h=1 m=14 s=51
